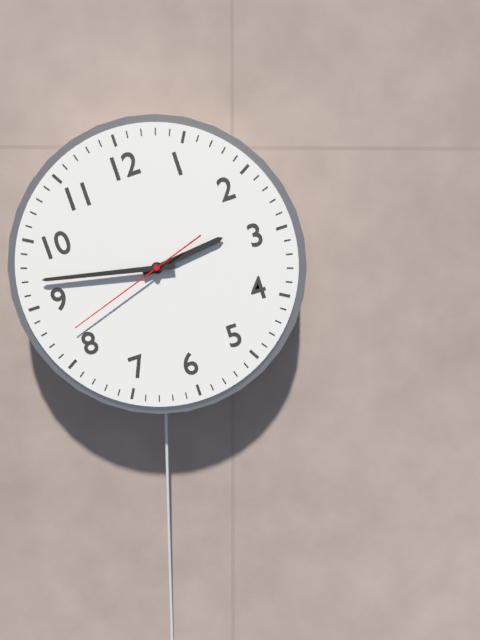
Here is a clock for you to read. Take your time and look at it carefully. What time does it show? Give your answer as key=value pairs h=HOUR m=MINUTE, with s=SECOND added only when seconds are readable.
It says h=2 m=47 s=42
